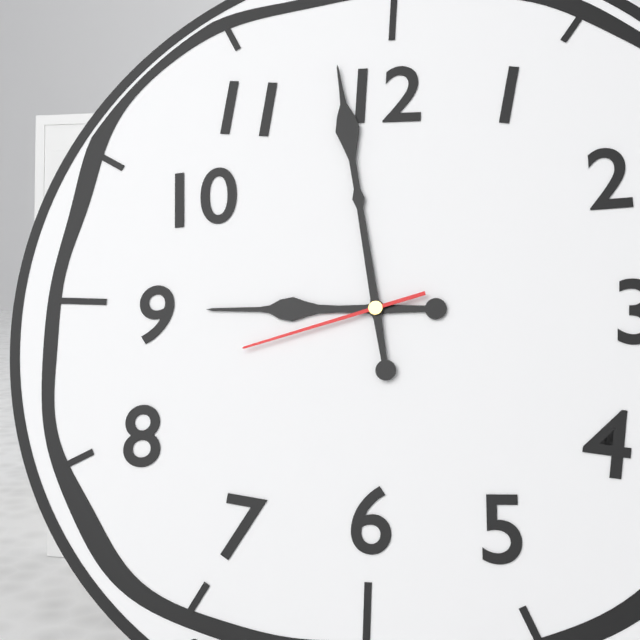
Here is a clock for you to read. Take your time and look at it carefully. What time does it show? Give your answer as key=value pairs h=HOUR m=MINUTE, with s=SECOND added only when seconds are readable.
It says h=8 m=58 s=42
